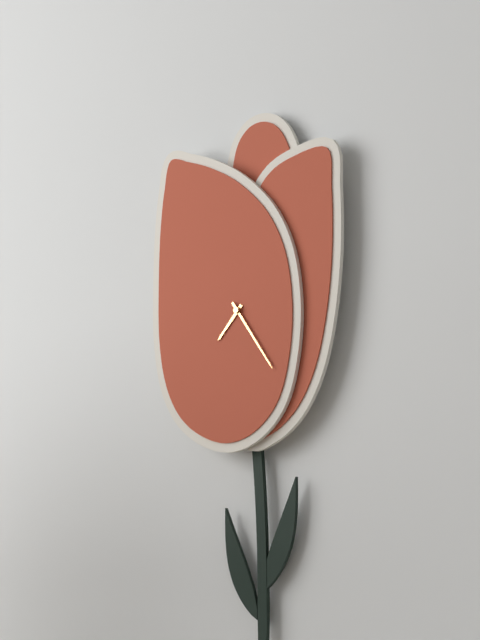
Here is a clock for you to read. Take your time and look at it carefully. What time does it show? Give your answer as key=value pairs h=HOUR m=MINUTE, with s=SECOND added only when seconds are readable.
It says h=7 m=24
